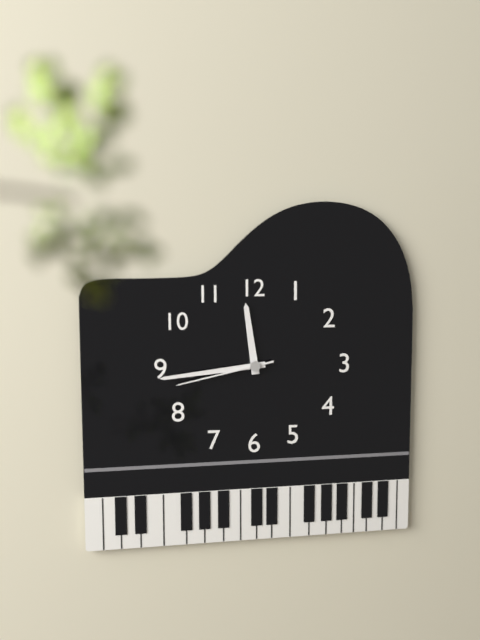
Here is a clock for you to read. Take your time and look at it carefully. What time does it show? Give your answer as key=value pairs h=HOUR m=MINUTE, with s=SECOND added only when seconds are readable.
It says h=11 m=44 s=43
